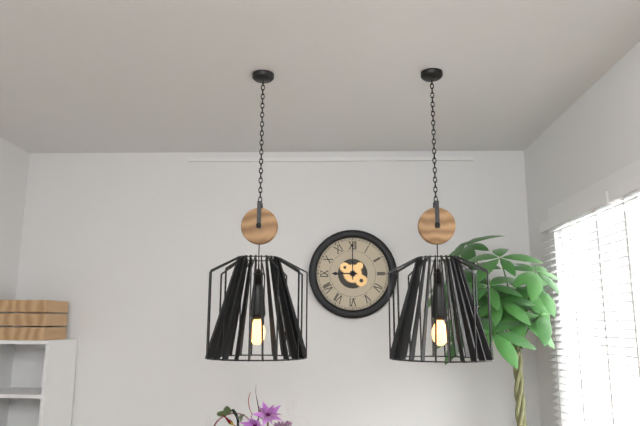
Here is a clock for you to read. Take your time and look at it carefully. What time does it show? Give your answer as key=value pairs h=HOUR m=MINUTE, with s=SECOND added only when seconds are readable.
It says h=9 m=0
